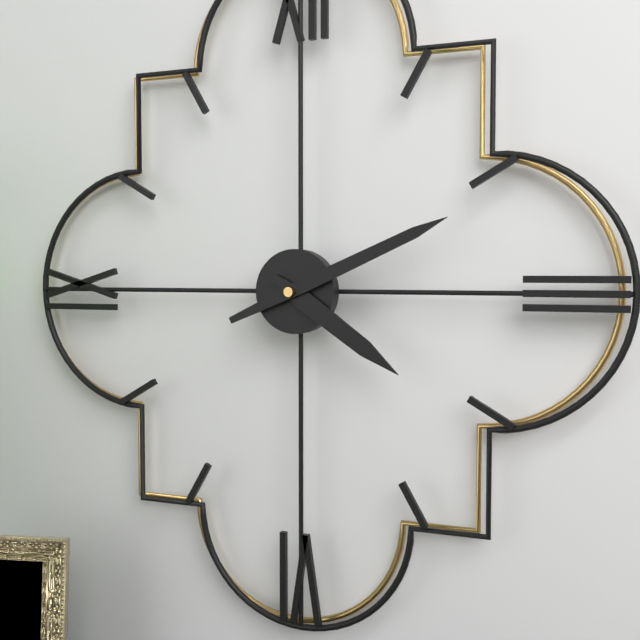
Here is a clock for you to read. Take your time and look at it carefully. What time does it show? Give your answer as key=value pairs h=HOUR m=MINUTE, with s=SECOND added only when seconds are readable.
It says h=4 m=11
